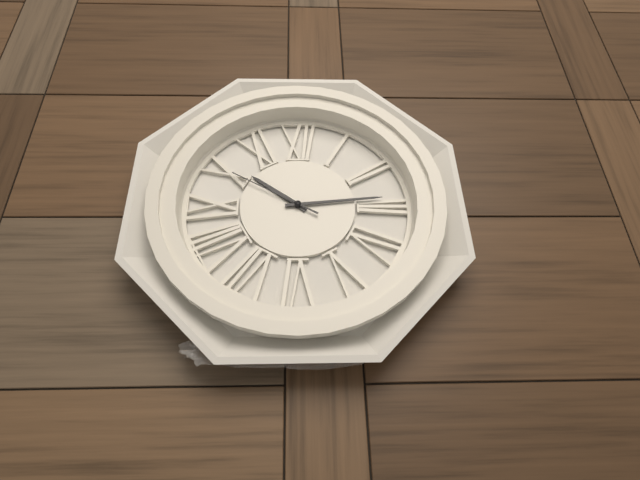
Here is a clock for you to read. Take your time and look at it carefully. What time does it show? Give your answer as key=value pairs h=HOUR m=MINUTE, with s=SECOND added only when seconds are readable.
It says h=10 m=14 s=50
